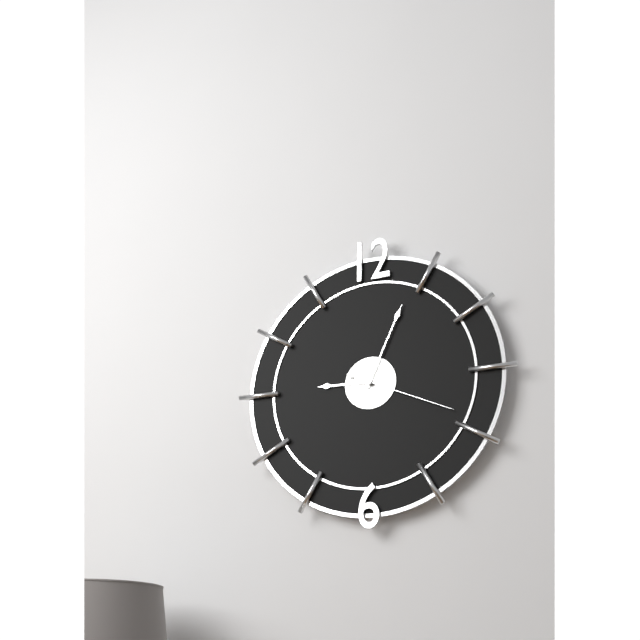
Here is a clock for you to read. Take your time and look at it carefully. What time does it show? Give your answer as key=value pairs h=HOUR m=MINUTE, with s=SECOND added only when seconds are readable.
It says h=9 m=4 s=19
